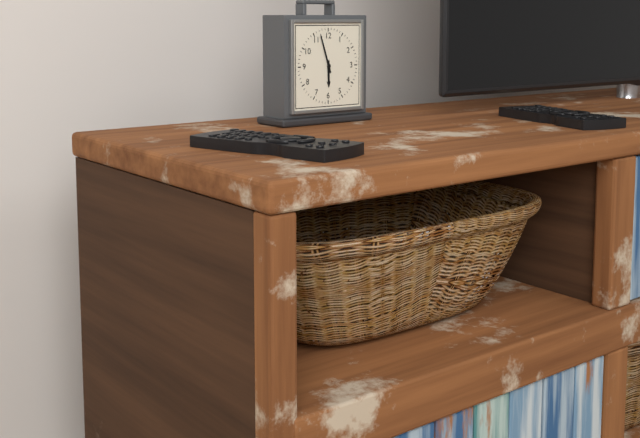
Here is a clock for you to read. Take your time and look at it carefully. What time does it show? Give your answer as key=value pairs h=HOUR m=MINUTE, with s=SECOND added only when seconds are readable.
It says h=5 m=57
